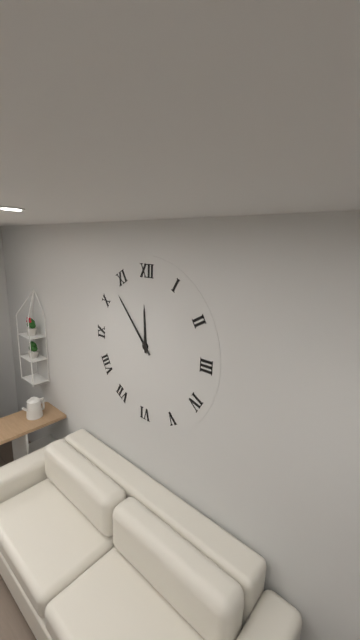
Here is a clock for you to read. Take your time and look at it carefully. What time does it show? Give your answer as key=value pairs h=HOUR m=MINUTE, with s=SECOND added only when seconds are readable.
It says h=11 m=53
